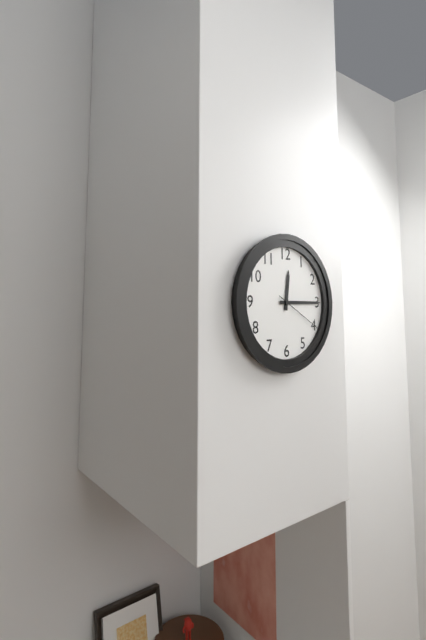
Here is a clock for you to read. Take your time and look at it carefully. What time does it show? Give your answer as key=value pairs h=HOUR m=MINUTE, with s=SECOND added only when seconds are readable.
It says h=12 m=15 s=20
